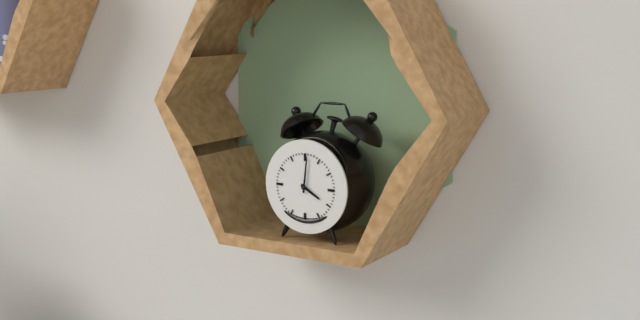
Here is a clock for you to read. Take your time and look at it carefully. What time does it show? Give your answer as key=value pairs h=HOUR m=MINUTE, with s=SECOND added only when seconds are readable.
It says h=4 m=1
